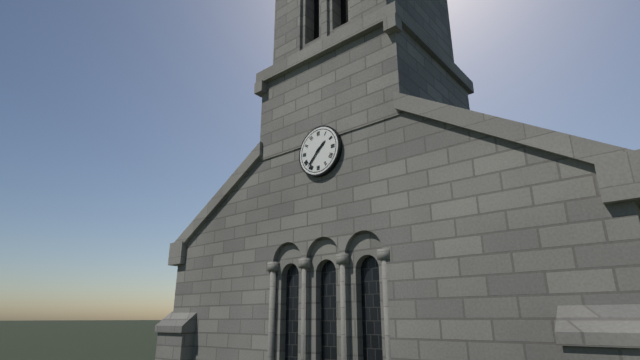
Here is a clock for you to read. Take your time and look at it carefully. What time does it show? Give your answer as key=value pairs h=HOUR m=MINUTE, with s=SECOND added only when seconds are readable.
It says h=1 m=37
